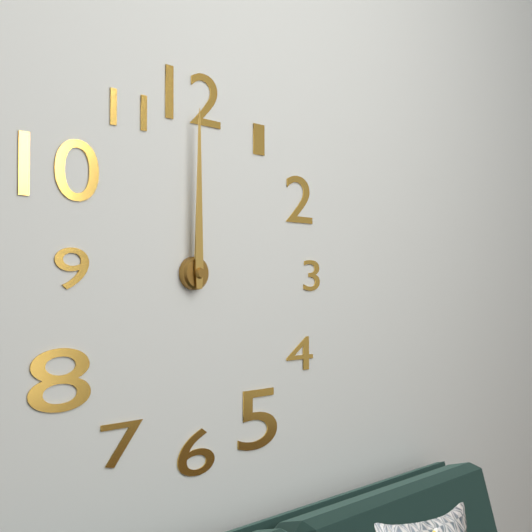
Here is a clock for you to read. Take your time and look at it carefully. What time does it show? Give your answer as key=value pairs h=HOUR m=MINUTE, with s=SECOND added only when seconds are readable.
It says h=12 m=0
